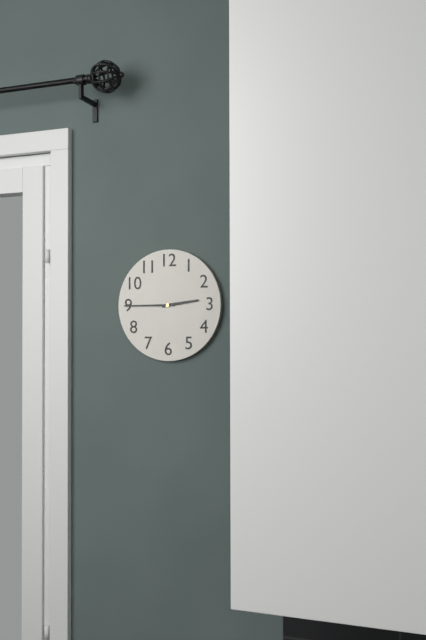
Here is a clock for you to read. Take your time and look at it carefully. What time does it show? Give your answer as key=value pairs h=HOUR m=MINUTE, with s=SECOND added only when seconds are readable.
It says h=2 m=45
